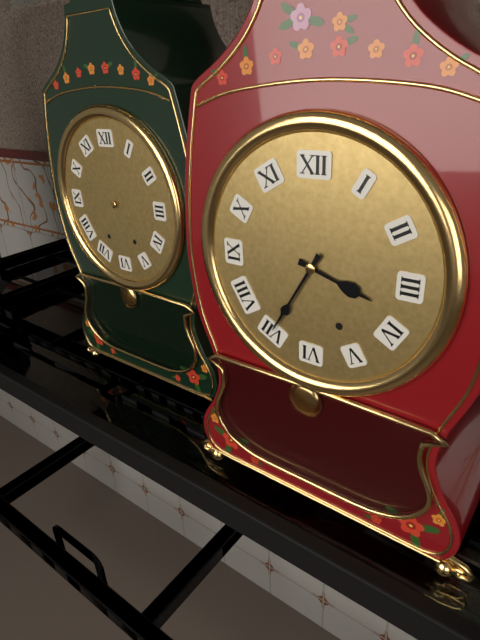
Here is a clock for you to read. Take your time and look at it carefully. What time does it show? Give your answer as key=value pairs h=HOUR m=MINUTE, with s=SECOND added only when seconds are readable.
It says h=3 m=35
